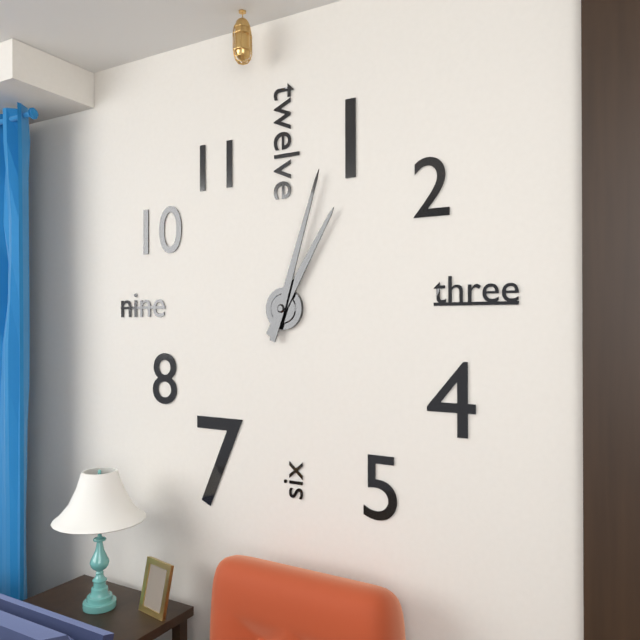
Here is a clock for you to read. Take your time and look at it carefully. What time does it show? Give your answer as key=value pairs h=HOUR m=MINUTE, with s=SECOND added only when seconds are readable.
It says h=1 m=3
